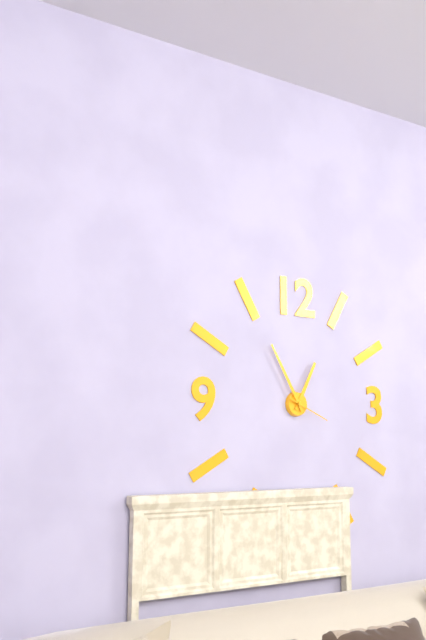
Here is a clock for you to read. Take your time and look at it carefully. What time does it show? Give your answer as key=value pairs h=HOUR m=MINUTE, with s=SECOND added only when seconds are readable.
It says h=12 m=55
